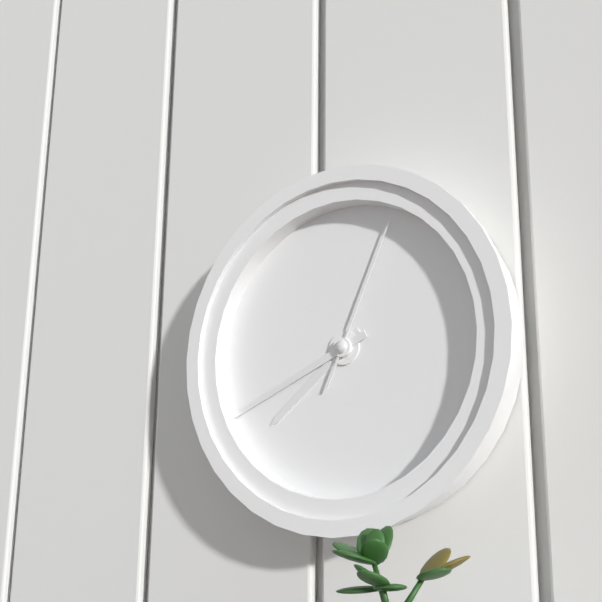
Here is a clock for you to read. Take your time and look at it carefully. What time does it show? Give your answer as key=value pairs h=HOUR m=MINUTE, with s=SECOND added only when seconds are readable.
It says h=7 m=41 s=4
